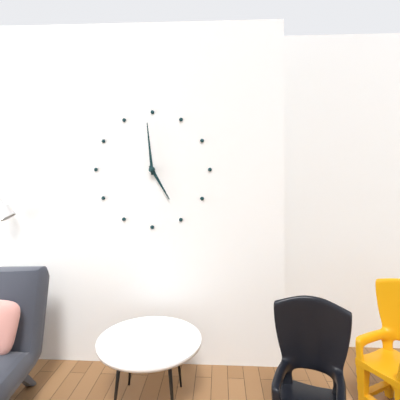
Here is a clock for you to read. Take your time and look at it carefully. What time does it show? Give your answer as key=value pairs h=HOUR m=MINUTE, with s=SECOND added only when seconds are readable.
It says h=4 m=59
